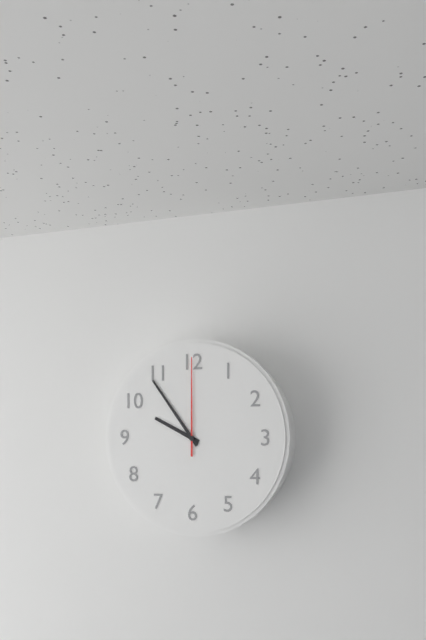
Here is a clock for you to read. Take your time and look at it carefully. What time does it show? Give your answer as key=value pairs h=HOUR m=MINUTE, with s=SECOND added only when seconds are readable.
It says h=9 m=54 s=0
